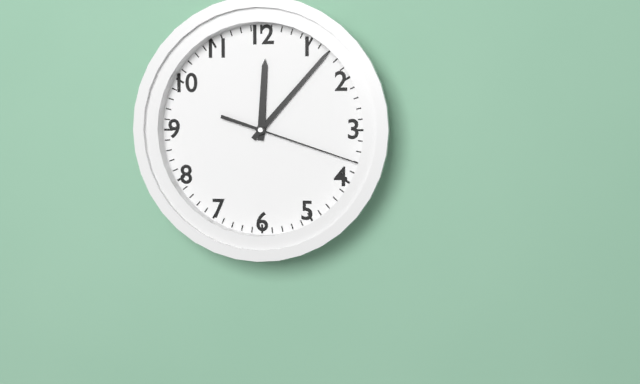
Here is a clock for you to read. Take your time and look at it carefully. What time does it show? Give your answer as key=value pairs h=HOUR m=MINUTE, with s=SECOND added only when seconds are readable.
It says h=12 m=7 s=18
